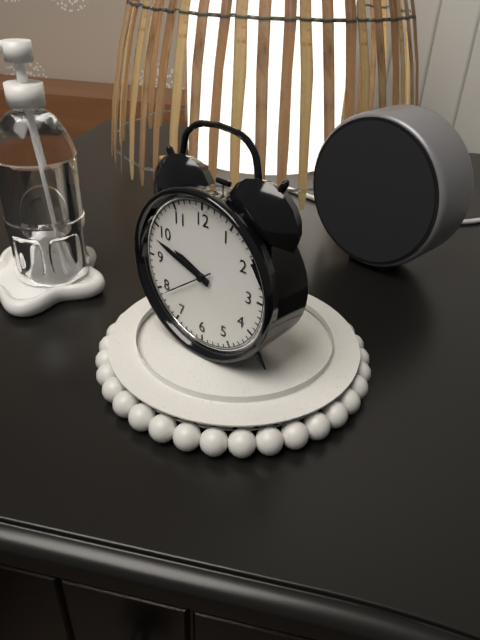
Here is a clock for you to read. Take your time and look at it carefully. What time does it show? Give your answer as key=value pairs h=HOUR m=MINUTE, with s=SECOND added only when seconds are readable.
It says h=9 m=48
